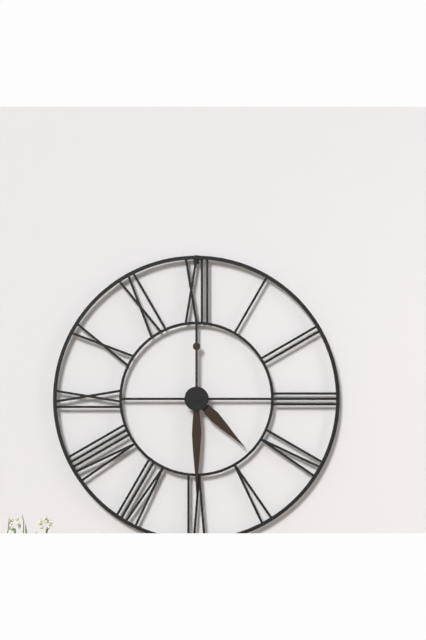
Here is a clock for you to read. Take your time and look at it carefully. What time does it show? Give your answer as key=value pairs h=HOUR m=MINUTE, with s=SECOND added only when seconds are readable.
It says h=4 m=30
